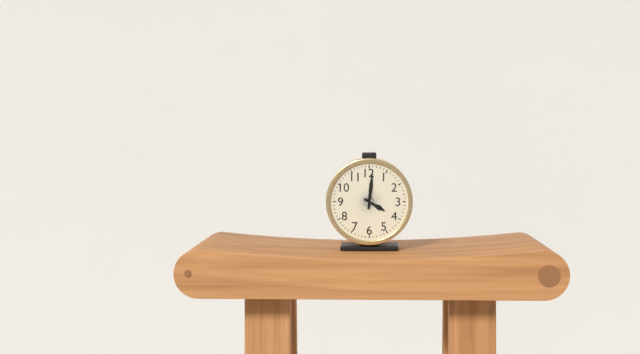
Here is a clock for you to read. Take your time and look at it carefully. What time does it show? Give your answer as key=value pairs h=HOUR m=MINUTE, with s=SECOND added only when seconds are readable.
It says h=4 m=1
